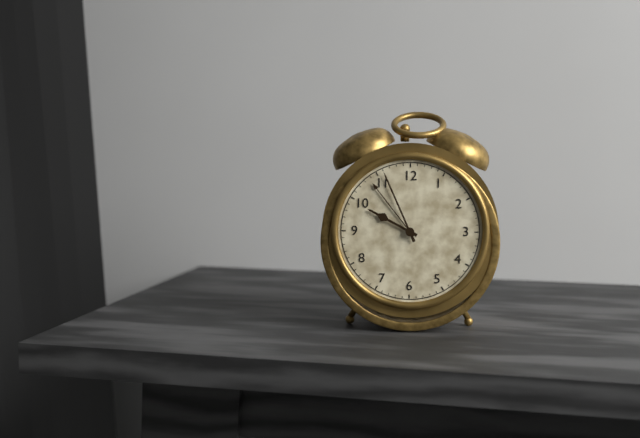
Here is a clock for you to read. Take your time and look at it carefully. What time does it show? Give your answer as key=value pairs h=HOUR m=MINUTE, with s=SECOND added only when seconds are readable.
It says h=9 m=56
